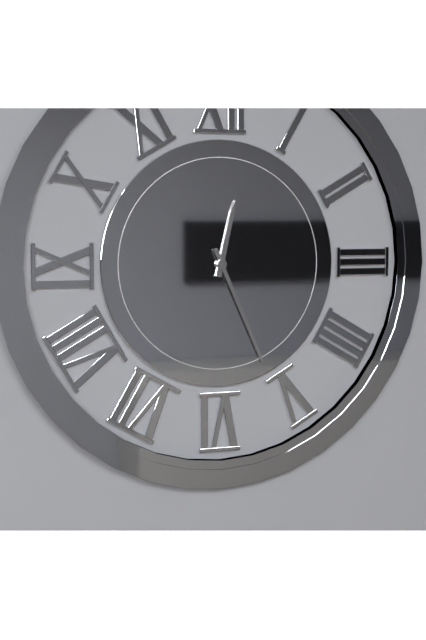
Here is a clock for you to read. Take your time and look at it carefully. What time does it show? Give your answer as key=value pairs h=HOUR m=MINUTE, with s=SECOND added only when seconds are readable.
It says h=12 m=26
